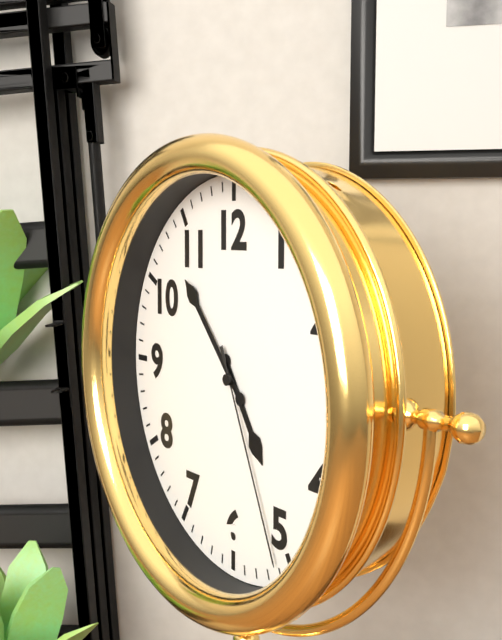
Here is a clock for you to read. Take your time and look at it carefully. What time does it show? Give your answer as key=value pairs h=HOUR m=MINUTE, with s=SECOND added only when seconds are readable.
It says h=4 m=53 s=26
